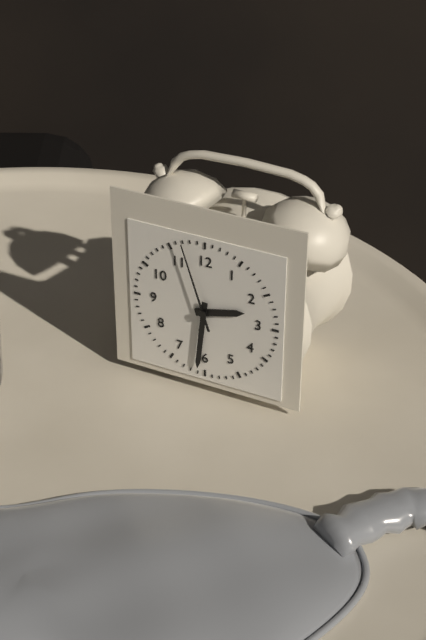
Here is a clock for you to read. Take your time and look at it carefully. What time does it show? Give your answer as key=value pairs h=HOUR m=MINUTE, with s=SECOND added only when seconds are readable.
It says h=2 m=31 s=57
